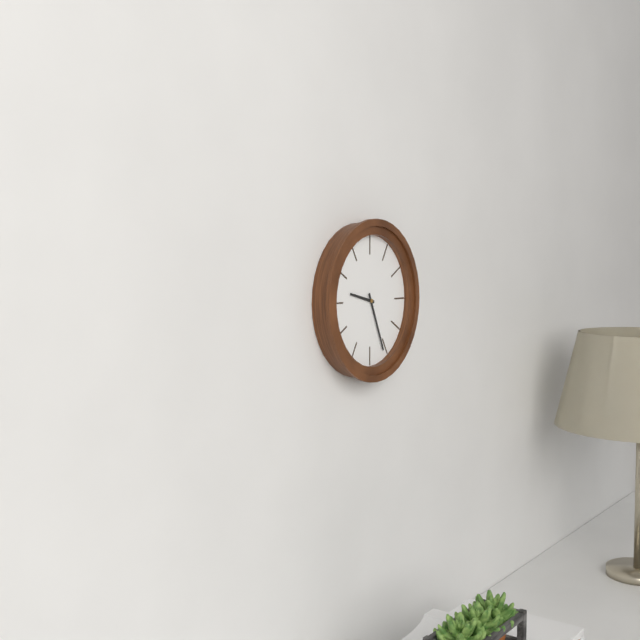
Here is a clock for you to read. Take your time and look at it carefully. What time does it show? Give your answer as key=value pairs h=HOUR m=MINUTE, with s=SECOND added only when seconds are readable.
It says h=9 m=26
